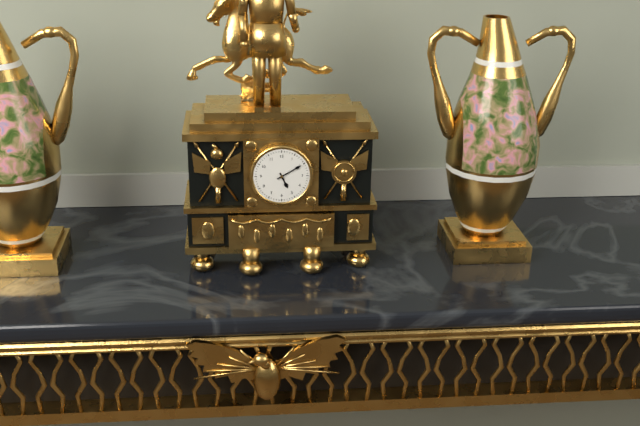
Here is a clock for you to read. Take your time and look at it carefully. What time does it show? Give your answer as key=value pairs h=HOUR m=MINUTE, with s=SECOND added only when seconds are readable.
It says h=5 m=10
